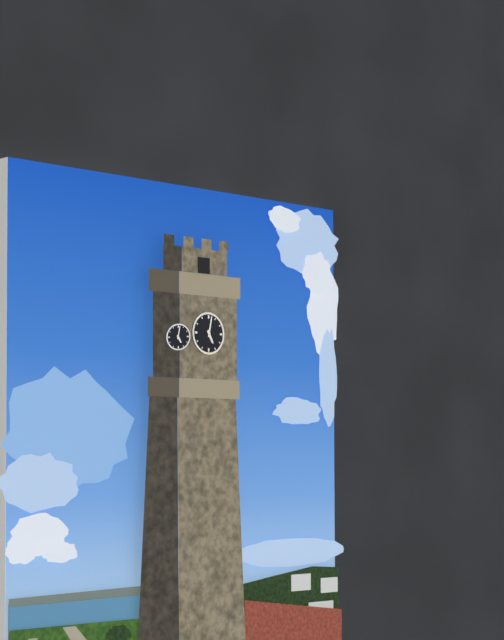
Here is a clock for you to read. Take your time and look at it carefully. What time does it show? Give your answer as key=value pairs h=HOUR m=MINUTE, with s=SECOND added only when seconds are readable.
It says h=5 m=2
